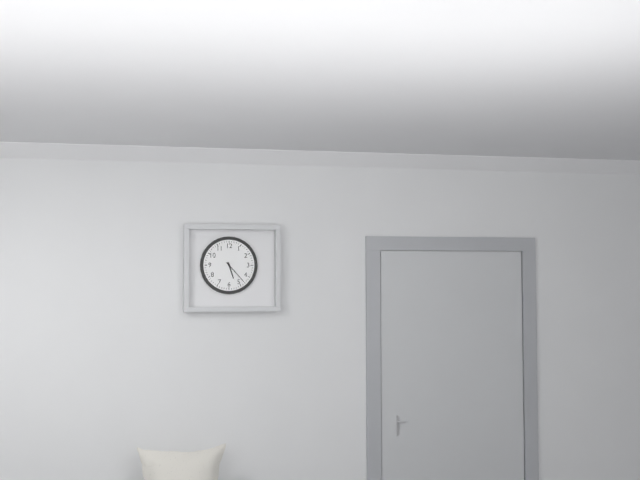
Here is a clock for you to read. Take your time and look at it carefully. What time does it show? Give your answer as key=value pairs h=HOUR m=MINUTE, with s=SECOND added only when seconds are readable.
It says h=5 m=23
